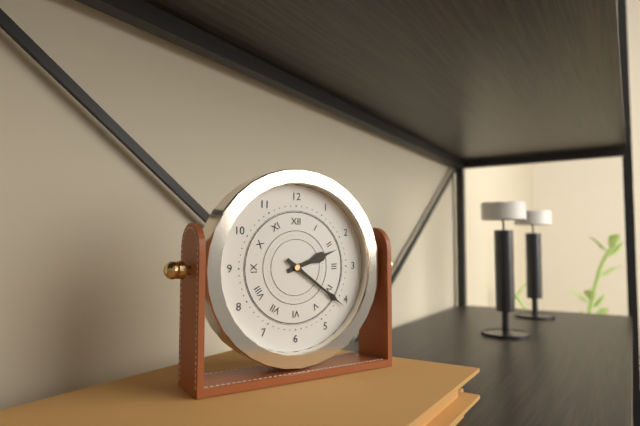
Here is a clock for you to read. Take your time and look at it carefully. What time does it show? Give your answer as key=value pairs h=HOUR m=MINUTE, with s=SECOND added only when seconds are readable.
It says h=2 m=21
